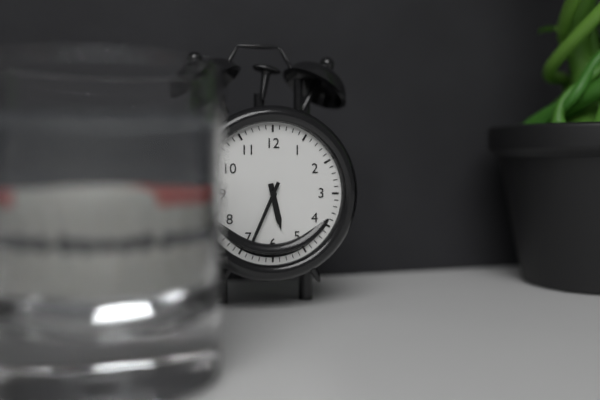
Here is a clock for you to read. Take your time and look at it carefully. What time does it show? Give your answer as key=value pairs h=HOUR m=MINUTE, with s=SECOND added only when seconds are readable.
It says h=5 m=34
